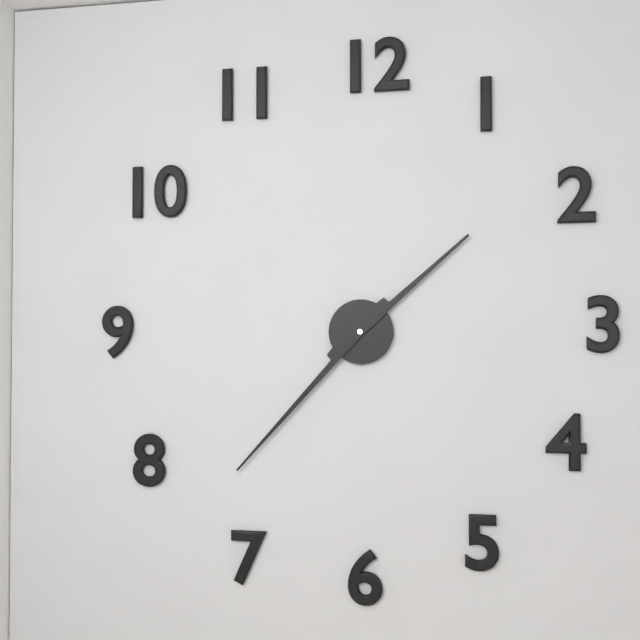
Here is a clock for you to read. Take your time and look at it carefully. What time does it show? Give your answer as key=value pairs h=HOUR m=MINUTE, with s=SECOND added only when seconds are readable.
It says h=1 m=37
